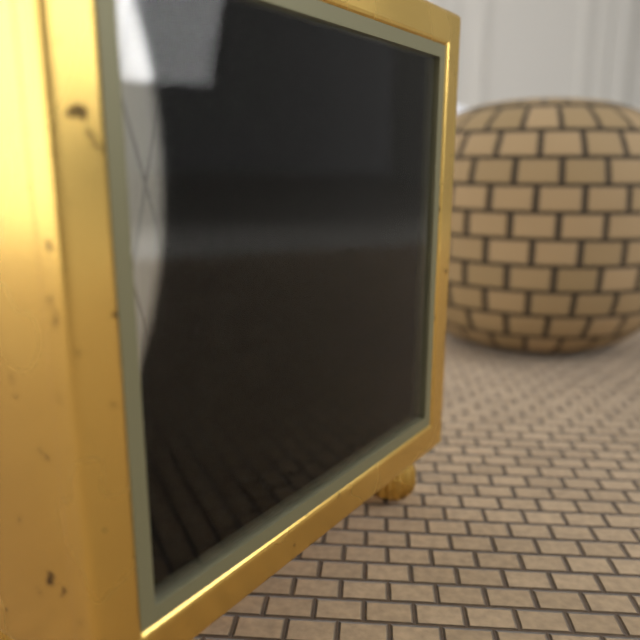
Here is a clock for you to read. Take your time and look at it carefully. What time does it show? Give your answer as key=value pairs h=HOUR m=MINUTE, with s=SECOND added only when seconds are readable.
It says h=8 m=25
